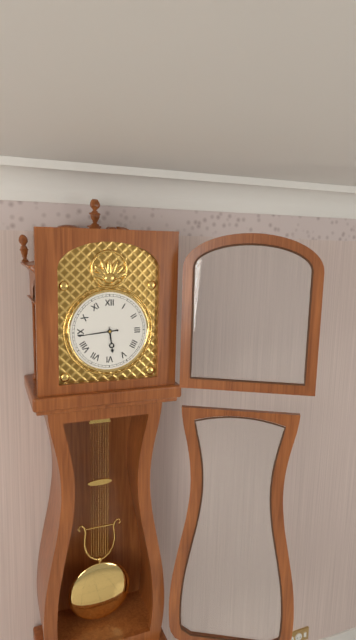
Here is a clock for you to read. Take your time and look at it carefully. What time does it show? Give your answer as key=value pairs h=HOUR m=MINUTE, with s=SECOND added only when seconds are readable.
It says h=5 m=44
